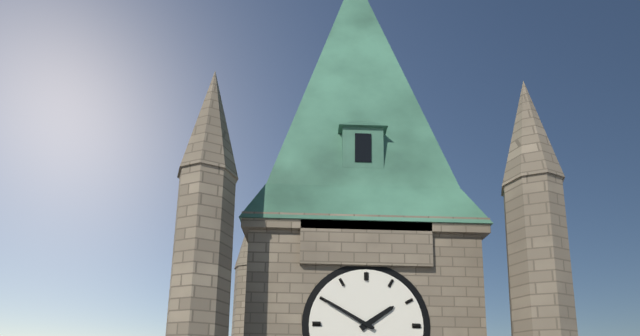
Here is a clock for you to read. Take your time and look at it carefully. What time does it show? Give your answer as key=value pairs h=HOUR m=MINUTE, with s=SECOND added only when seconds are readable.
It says h=1 m=50
